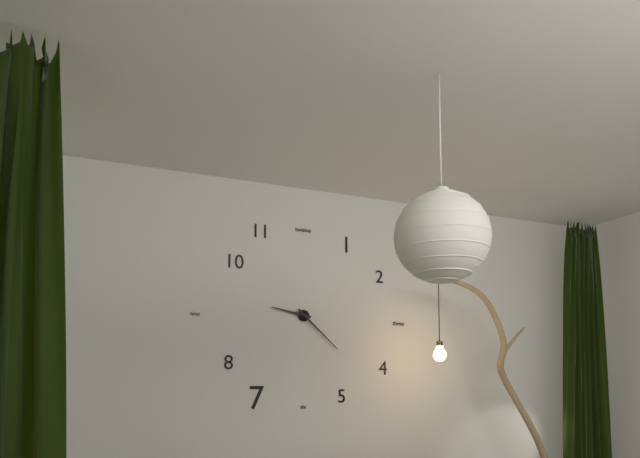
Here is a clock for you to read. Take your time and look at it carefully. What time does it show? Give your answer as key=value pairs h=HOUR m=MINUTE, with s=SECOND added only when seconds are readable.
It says h=9 m=22
